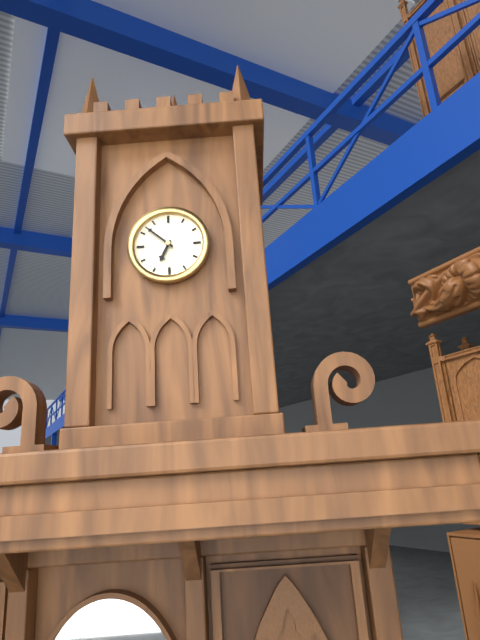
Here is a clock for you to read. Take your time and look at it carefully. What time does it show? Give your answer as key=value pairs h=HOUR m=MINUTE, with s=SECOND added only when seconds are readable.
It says h=6 m=52
